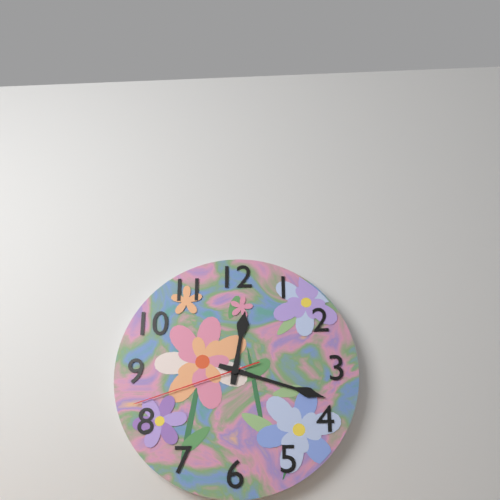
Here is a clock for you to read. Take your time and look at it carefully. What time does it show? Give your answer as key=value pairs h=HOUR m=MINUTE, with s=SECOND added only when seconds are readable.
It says h=12 m=18 s=42
